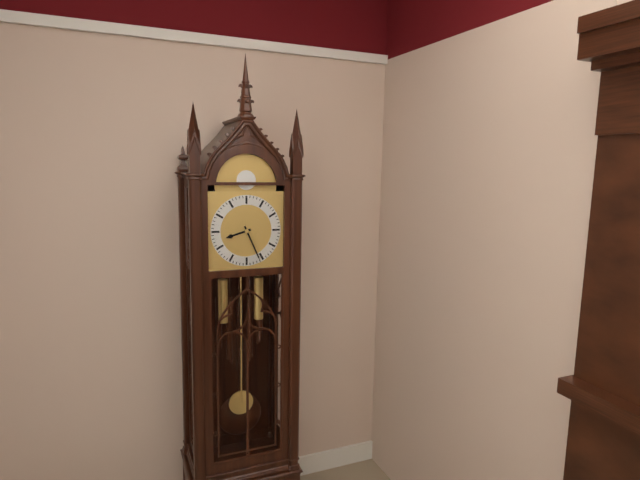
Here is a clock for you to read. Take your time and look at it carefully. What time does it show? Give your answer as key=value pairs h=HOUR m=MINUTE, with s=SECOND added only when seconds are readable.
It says h=8 m=26
